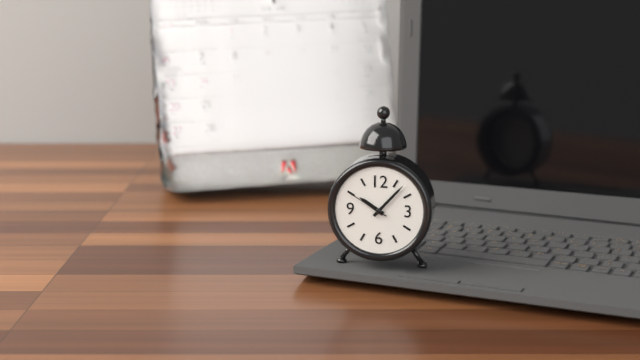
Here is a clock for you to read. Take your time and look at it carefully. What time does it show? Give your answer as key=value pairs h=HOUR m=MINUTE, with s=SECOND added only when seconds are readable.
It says h=10 m=7
